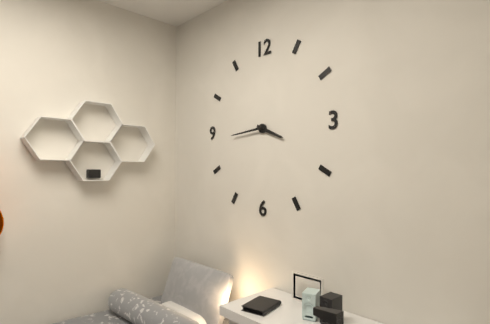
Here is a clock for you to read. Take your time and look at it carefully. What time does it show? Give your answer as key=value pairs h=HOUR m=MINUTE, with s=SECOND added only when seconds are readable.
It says h=3 m=44
